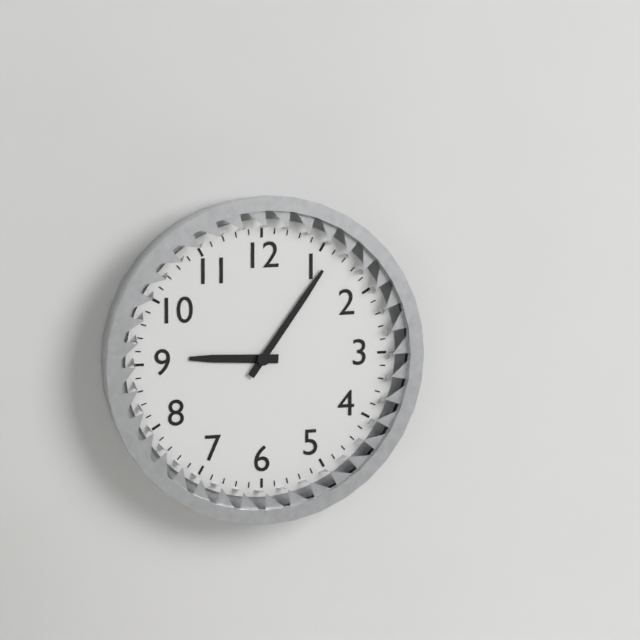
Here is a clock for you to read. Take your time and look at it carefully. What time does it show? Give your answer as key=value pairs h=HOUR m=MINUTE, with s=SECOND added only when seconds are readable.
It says h=9 m=6
